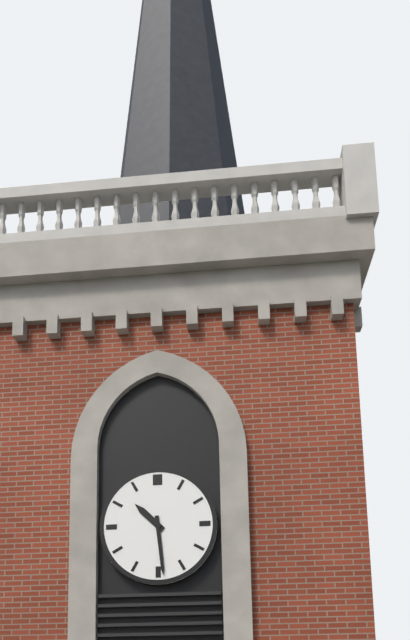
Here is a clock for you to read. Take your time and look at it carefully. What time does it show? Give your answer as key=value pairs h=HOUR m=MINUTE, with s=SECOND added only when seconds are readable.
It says h=10 m=29
